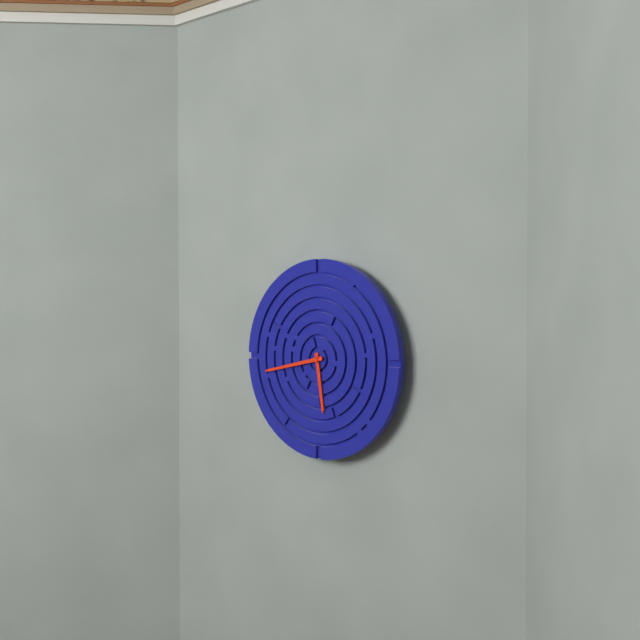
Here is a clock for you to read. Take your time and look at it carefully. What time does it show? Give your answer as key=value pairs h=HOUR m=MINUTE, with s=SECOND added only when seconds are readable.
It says h=5 m=43
